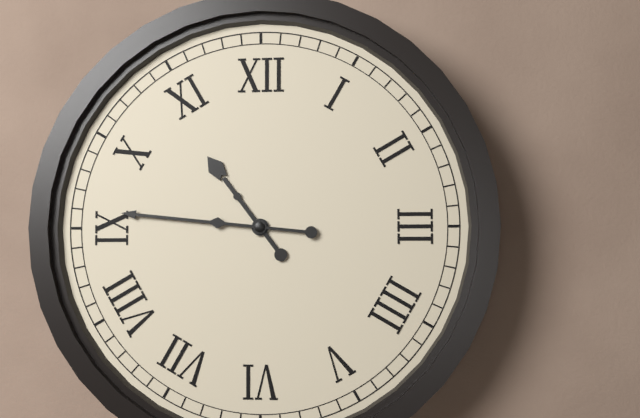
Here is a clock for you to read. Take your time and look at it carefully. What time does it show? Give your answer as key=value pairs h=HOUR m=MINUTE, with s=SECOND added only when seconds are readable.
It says h=10 m=46
